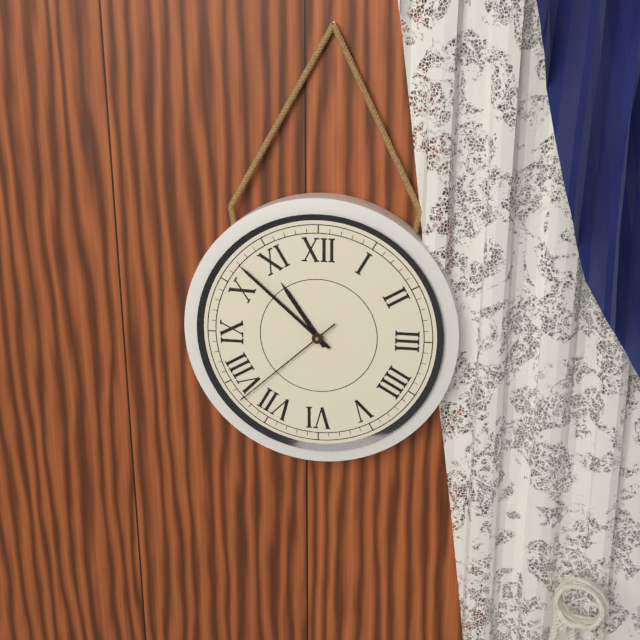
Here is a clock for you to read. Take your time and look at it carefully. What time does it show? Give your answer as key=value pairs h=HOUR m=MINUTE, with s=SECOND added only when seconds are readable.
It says h=10 m=52 s=38
